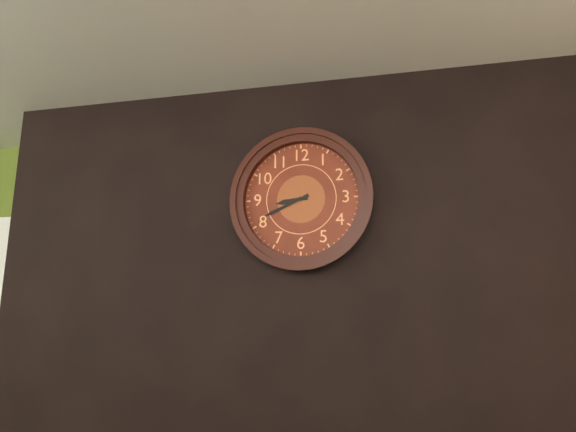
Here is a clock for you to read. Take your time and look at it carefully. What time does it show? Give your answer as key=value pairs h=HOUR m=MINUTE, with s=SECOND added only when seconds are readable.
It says h=8 m=41
